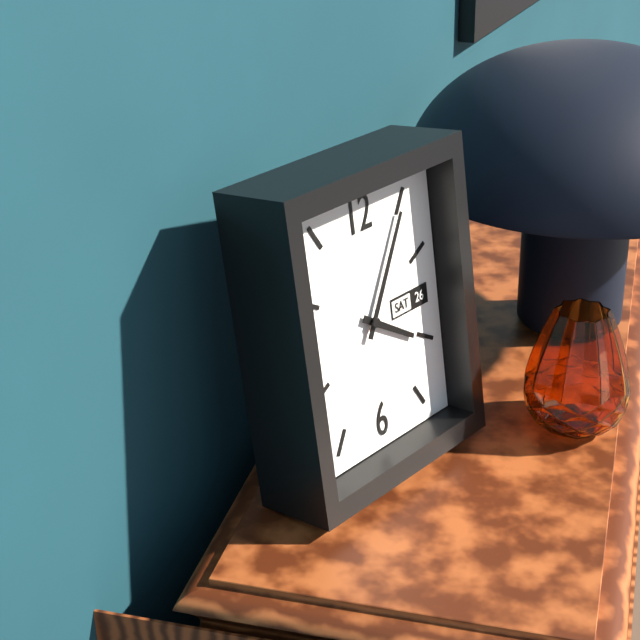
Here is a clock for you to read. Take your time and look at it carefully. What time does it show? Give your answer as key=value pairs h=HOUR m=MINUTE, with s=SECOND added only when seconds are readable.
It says h=4 m=5
